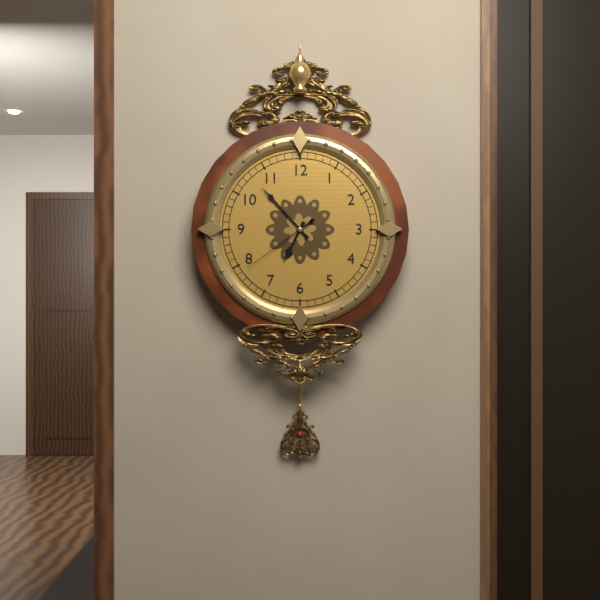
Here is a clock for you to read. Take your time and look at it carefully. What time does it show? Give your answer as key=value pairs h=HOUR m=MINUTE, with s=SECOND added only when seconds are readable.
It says h=6 m=53 s=39
